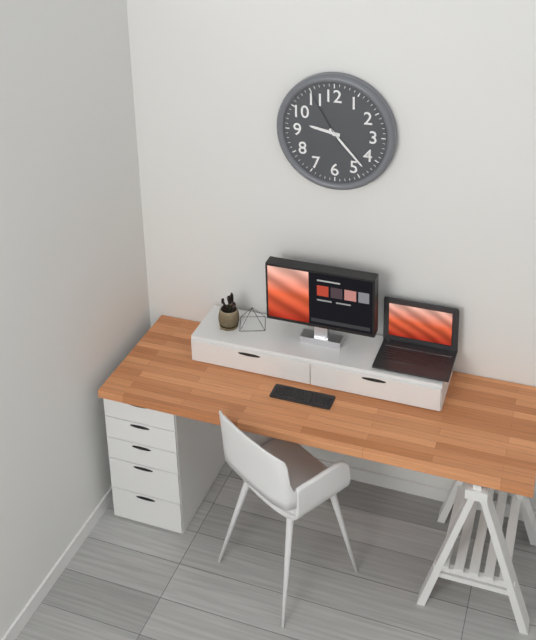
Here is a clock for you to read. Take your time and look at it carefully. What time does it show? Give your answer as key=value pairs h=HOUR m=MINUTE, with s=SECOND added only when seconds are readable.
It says h=9 m=23 s=55
